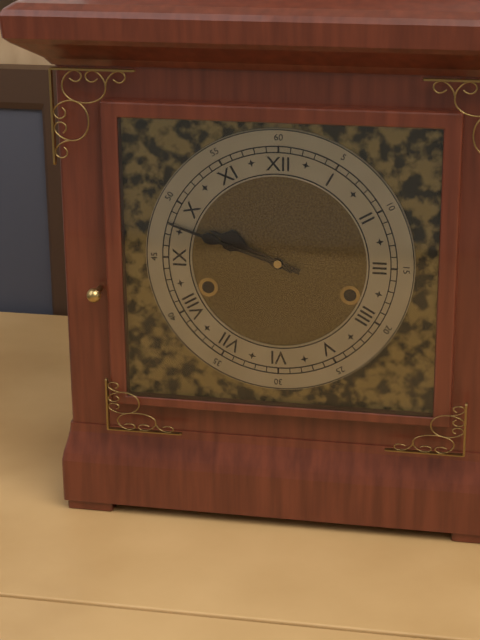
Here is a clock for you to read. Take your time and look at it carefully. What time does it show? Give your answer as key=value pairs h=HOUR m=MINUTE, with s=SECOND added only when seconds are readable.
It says h=9 m=48
